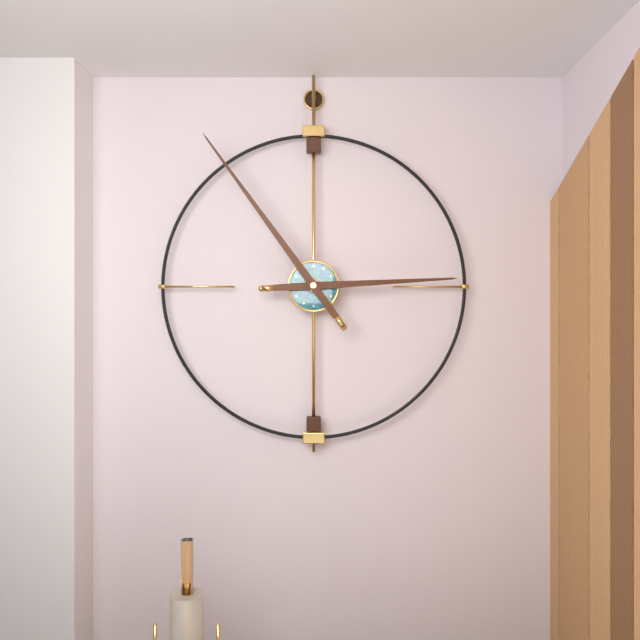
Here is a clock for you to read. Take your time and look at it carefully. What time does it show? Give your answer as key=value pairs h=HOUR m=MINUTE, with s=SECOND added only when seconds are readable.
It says h=2 m=54
